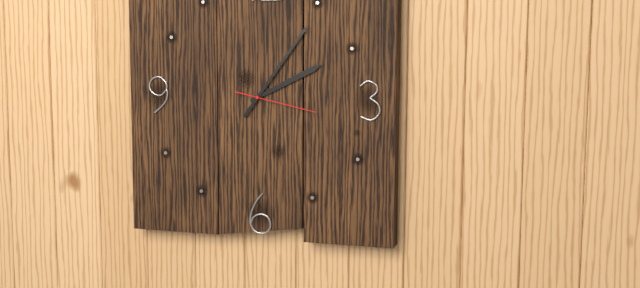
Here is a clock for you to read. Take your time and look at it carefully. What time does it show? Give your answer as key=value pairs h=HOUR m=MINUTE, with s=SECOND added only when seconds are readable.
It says h=2 m=6 s=17
